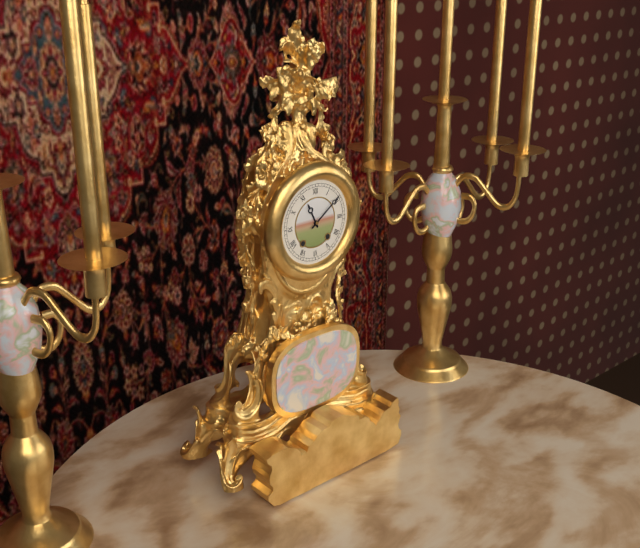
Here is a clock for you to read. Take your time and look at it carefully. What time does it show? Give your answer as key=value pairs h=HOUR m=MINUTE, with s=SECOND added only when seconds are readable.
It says h=11 m=9
